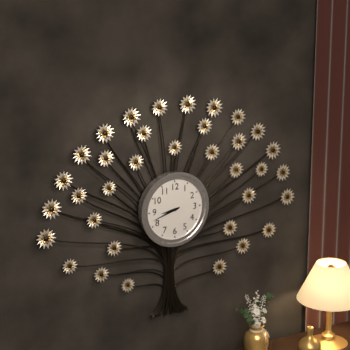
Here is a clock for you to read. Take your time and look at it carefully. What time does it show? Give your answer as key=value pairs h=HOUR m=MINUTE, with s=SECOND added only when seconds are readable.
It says h=8 m=42
